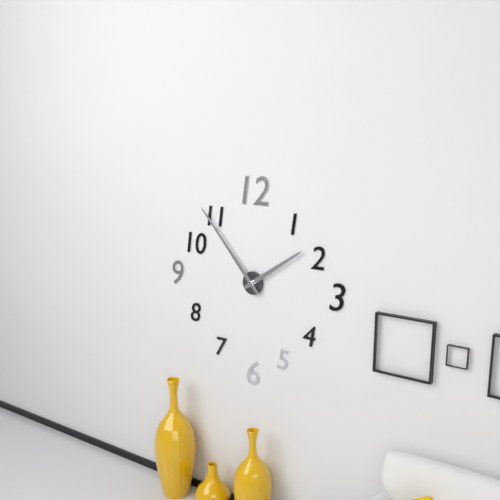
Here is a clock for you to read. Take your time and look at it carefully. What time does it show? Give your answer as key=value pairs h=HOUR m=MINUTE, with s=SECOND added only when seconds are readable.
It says h=1 m=53
